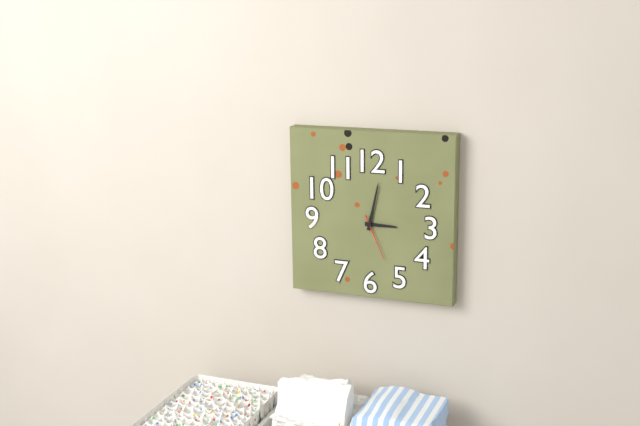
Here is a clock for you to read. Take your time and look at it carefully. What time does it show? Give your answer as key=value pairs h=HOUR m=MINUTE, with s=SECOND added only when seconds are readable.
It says h=3 m=2
